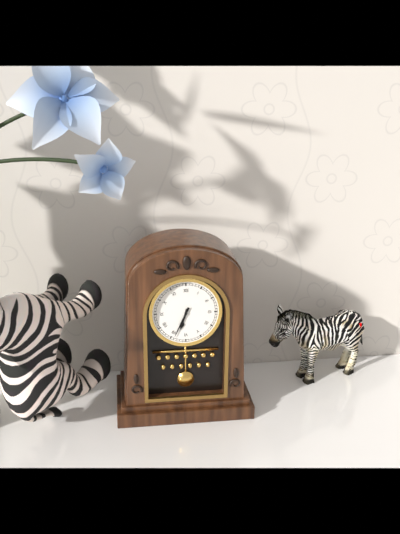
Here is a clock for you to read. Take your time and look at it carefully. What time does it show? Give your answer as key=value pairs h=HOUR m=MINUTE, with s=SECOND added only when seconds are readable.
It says h=6 m=34
